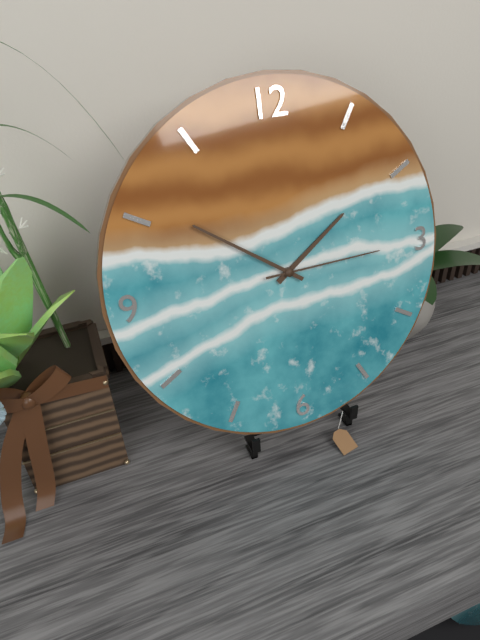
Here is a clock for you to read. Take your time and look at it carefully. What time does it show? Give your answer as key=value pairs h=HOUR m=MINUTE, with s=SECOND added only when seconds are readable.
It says h=1 m=51 s=15
